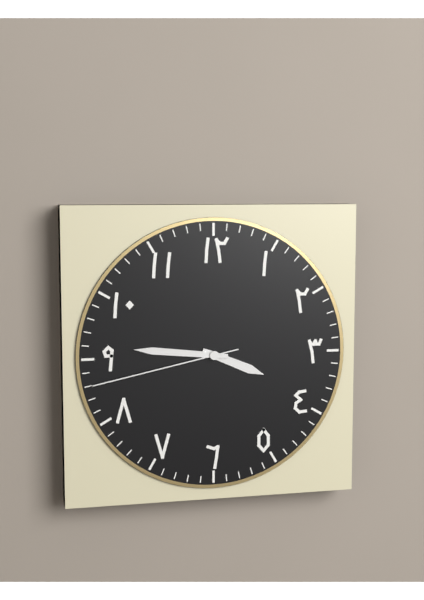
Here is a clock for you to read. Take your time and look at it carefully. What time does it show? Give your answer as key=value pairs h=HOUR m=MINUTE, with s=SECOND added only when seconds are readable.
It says h=3 m=46 s=43
